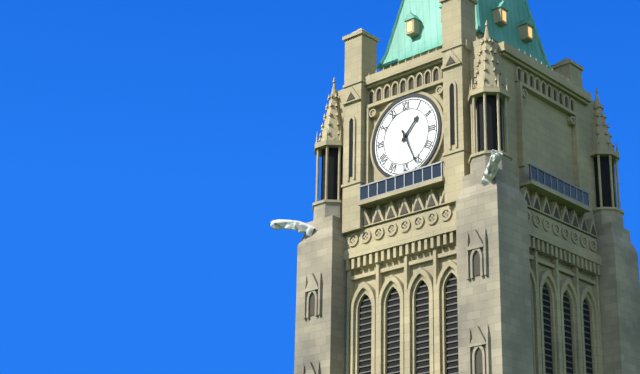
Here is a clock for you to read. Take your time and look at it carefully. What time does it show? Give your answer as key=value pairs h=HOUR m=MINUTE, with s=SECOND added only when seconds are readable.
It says h=1 m=26
